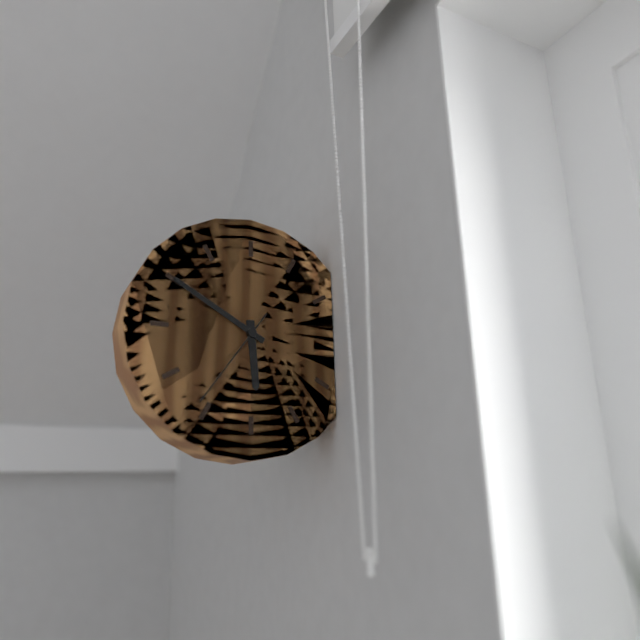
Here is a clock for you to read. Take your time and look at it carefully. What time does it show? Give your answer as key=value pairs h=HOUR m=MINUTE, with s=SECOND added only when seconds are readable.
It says h=5 m=50 s=36
